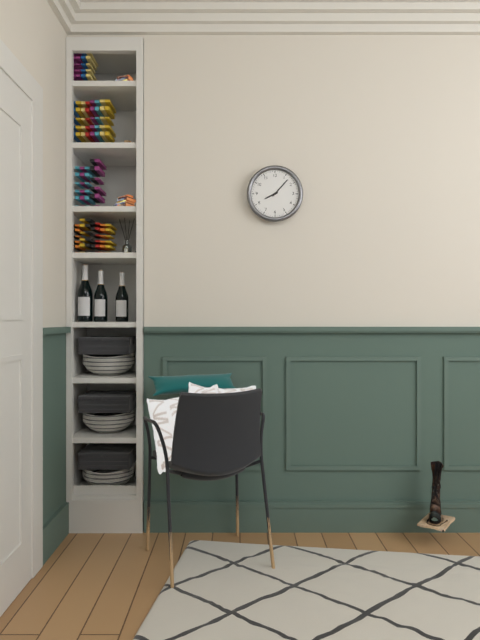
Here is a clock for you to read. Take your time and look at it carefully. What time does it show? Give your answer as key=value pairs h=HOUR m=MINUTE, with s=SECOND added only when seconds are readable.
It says h=8 m=7
